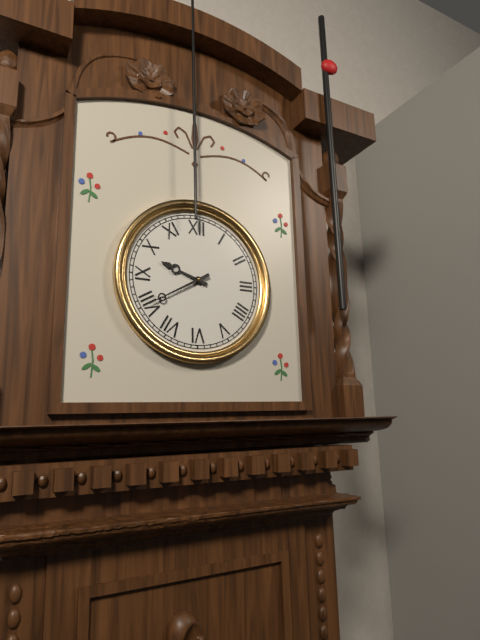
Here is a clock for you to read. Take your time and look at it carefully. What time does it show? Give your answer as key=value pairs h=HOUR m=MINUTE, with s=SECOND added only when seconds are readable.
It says h=9 m=40
